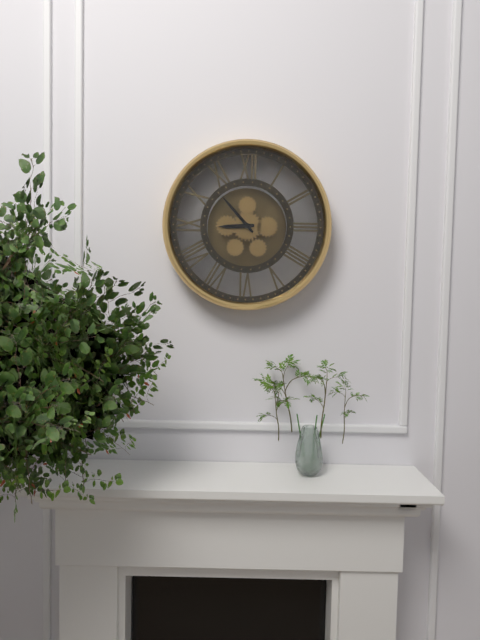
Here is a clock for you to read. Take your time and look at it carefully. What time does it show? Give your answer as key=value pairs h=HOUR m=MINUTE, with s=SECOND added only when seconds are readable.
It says h=8 m=53
